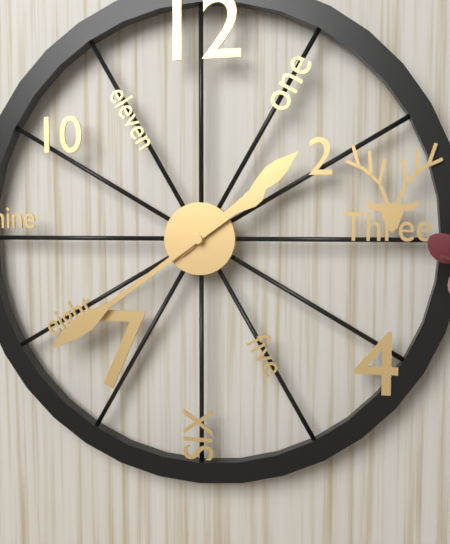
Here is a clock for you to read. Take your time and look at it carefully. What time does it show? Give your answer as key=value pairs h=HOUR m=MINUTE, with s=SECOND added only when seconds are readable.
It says h=1 m=39
